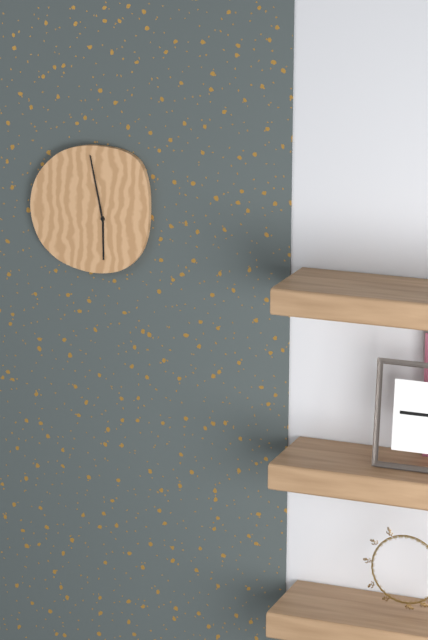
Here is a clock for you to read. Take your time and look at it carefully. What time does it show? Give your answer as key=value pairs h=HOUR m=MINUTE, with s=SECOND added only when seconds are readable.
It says h=5 m=58
